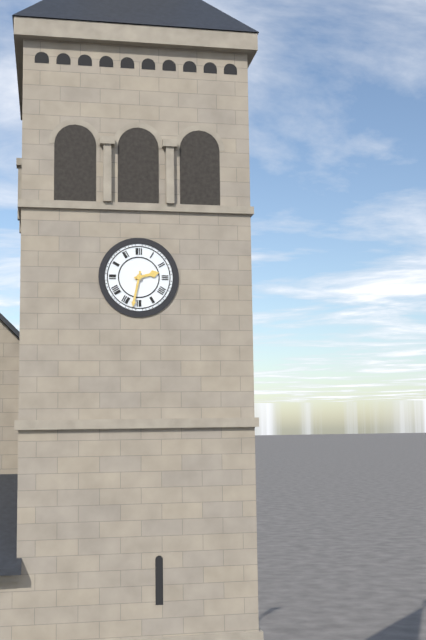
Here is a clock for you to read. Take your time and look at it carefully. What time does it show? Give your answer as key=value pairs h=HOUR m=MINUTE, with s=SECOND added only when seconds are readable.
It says h=2 m=32
